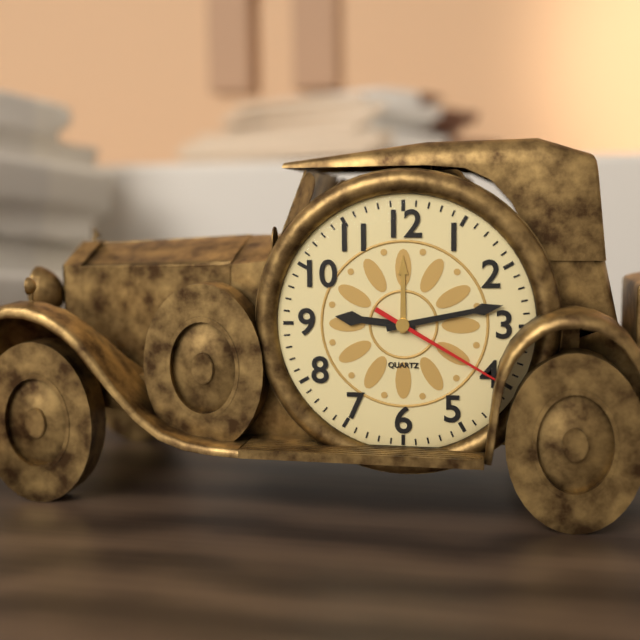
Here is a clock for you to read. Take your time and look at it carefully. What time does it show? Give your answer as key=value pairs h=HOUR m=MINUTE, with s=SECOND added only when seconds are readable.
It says h=9 m=13 s=20
